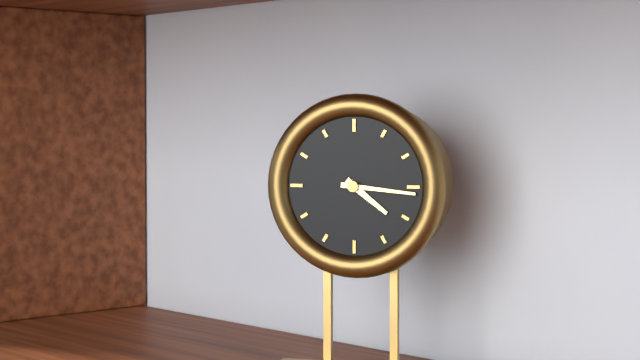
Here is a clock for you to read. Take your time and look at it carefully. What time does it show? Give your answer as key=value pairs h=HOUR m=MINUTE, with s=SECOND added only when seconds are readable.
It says h=4 m=16
